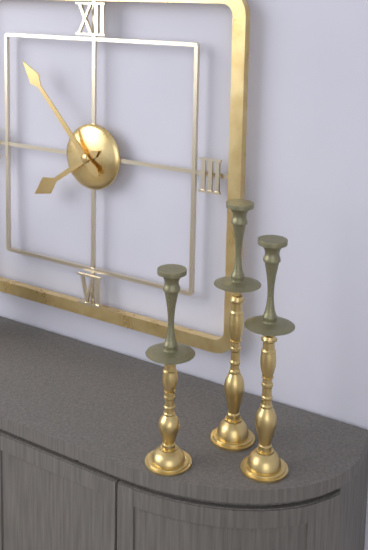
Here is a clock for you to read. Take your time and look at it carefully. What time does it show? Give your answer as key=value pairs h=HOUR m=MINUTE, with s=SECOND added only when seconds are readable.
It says h=7 m=53
